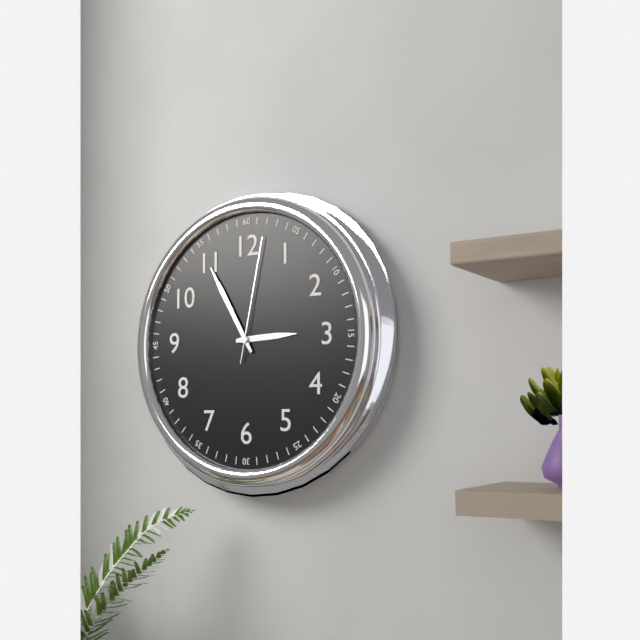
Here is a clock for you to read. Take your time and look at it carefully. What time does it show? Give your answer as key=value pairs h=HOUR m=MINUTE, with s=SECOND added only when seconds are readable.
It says h=2 m=55 s=2
